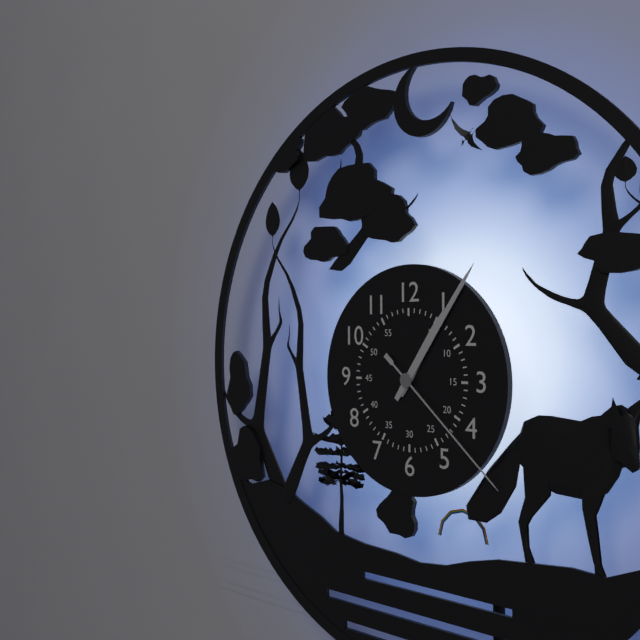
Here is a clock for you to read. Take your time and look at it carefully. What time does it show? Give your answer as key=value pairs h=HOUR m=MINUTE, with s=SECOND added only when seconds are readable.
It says h=1 m=6 s=22
